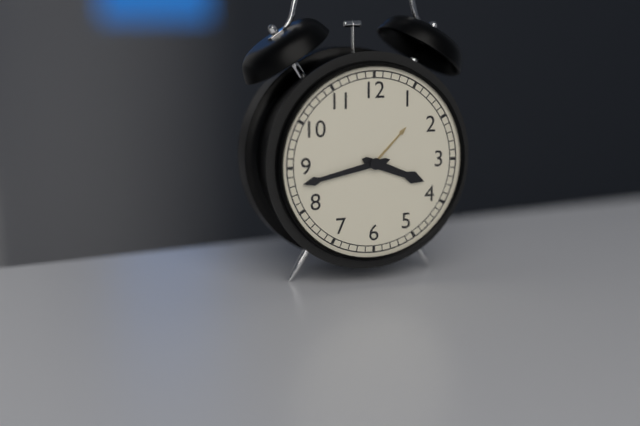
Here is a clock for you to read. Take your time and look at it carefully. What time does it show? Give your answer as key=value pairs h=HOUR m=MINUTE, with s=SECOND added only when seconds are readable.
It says h=3 m=43
